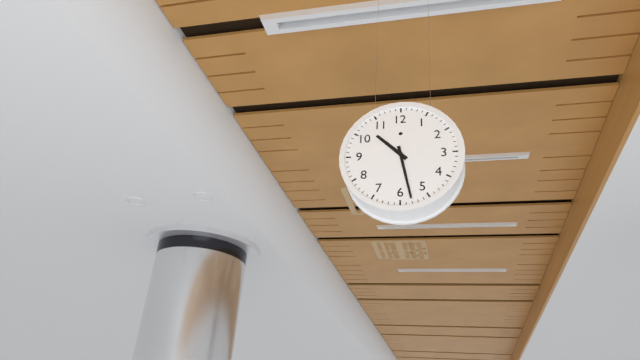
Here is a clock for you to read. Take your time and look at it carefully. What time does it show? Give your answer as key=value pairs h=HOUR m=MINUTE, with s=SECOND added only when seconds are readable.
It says h=10 m=28
